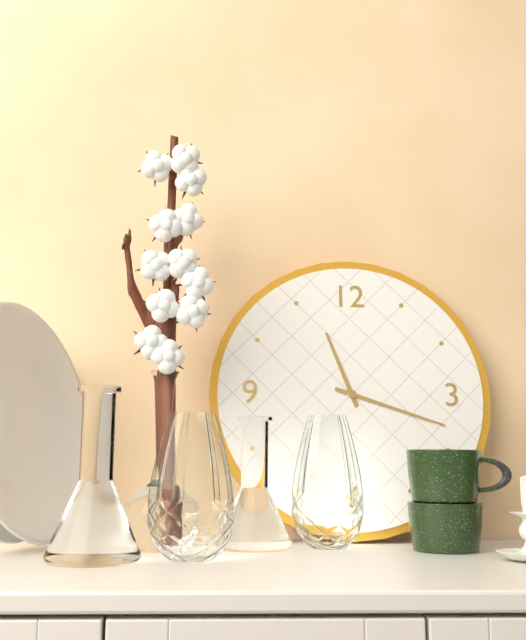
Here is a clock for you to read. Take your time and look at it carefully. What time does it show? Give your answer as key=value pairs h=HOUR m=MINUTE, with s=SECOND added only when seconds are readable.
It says h=11 m=18
